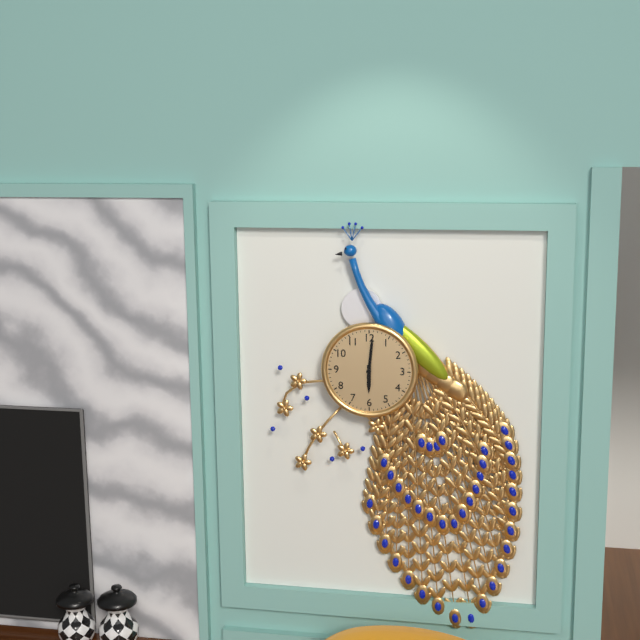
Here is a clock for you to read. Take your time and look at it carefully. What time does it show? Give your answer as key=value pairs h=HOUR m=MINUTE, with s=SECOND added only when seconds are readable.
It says h=6 m=1
